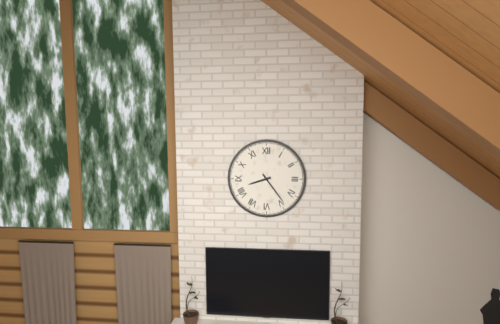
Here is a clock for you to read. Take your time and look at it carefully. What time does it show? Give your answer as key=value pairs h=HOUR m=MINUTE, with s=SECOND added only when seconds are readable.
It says h=8 m=24
